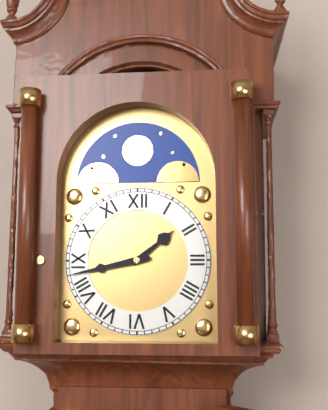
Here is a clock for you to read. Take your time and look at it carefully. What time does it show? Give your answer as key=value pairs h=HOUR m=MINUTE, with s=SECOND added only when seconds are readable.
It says h=1 m=43
